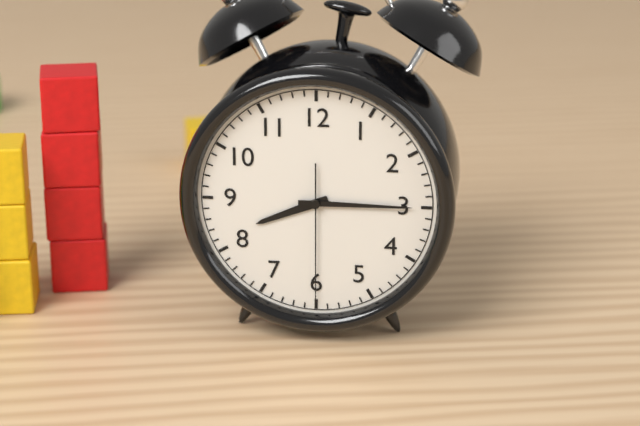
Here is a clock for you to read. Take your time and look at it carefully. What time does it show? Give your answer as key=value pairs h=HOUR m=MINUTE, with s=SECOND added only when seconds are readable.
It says h=8 m=15 s=30
